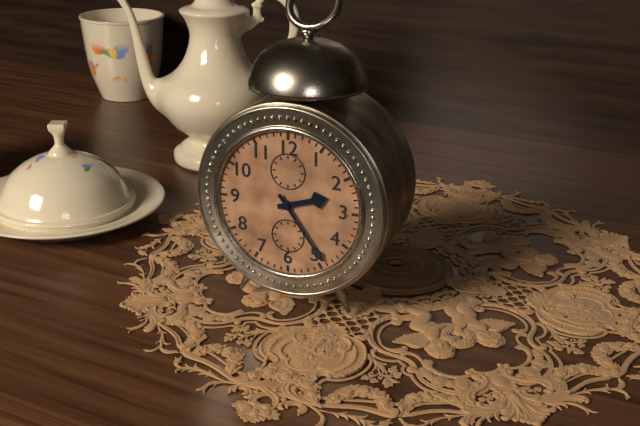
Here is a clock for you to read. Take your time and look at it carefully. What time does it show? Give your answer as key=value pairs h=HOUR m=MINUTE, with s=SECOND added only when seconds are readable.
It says h=2 m=24
